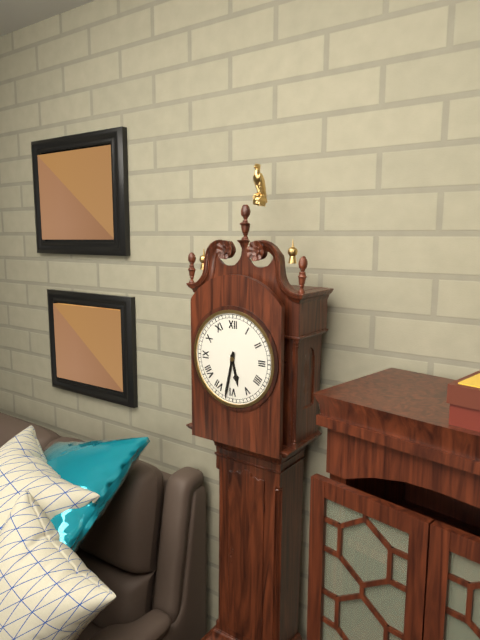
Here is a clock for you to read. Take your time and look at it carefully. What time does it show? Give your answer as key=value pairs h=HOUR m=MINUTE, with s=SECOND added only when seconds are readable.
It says h=5 m=32
